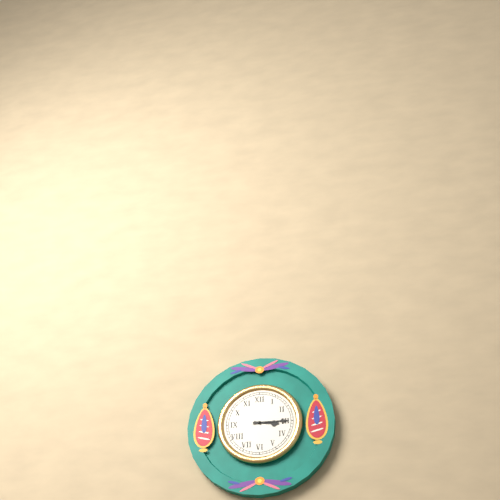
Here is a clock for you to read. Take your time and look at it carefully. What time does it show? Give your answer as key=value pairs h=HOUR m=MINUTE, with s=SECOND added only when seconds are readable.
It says h=3 m=15
